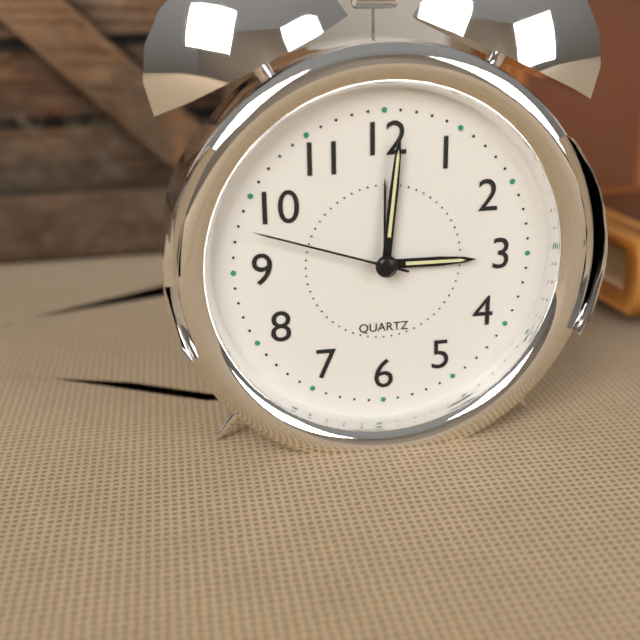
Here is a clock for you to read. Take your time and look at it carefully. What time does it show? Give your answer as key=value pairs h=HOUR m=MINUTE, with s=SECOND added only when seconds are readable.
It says h=3 m=1 s=48
